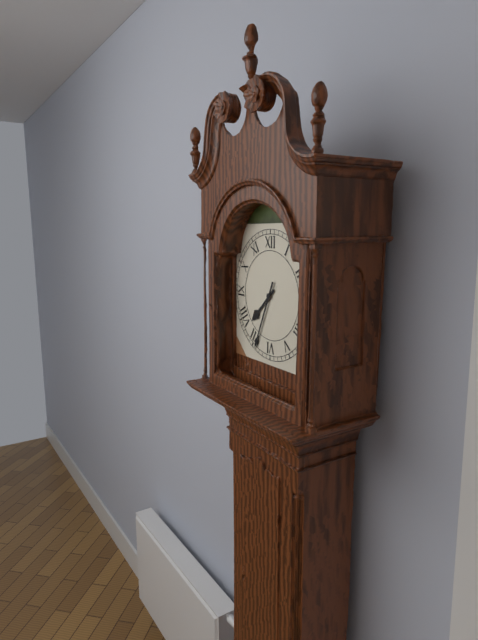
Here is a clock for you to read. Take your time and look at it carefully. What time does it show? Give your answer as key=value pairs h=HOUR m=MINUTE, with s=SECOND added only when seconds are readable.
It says h=7 m=34
